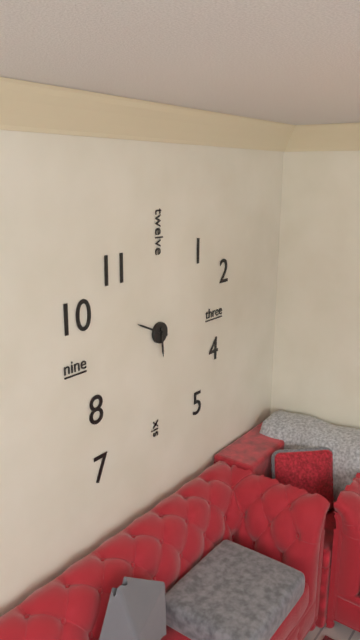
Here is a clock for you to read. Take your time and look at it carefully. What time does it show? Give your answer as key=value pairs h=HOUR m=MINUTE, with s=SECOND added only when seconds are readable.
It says h=5 m=49
